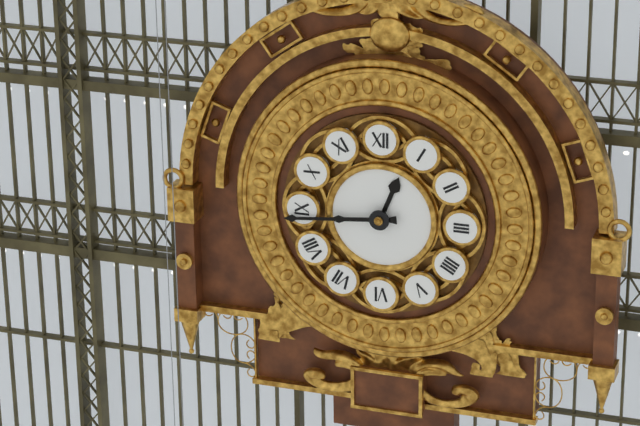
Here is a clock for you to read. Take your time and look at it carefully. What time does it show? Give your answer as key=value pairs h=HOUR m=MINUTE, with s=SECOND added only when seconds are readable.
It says h=12 m=44
